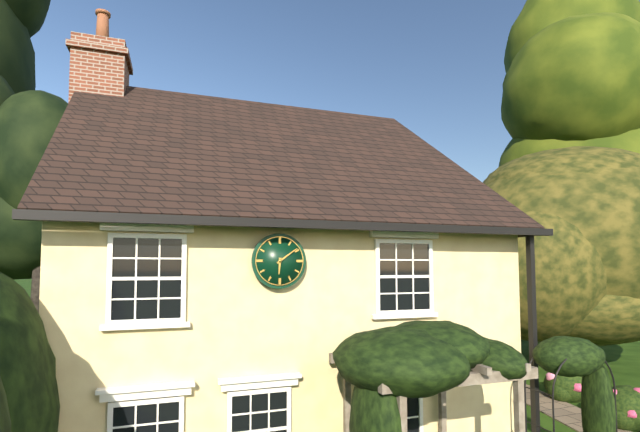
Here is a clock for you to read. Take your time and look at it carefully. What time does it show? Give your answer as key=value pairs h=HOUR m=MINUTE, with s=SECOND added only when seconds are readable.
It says h=6 m=9
